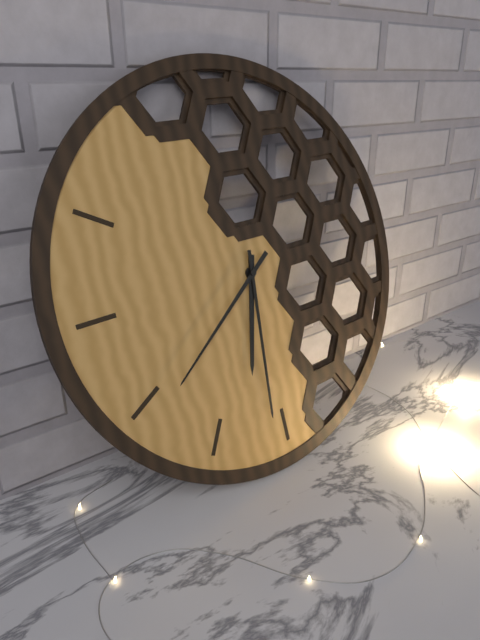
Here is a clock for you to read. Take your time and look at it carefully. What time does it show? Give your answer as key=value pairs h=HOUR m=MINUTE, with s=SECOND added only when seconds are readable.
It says h=6 m=31 s=39
